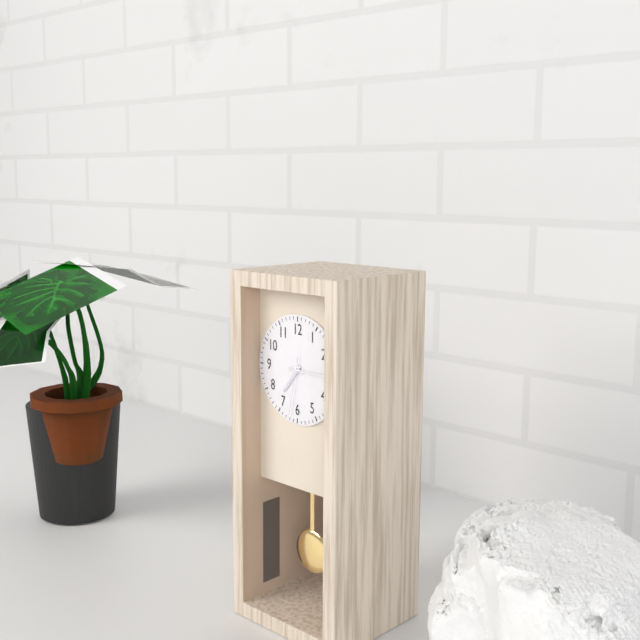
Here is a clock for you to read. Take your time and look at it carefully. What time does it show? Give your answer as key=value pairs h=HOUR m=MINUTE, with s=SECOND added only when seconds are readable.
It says h=7 m=15 s=32
